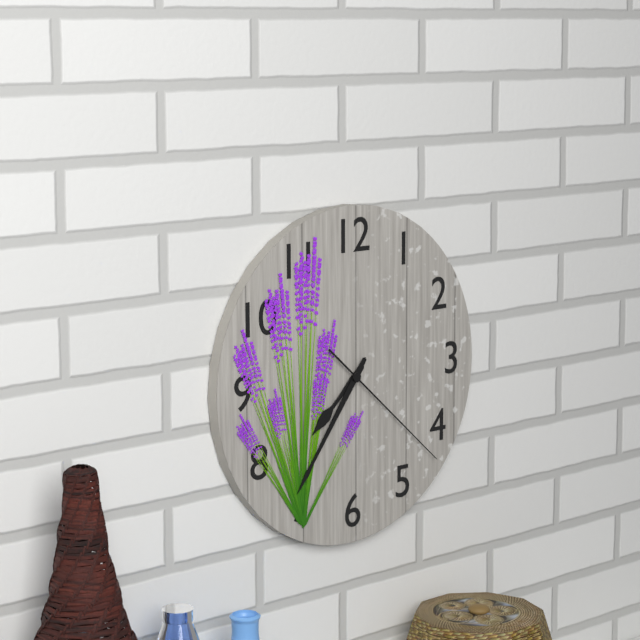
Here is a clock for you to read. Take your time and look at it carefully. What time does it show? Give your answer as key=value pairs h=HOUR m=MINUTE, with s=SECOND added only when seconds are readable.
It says h=7 m=36 s=22
